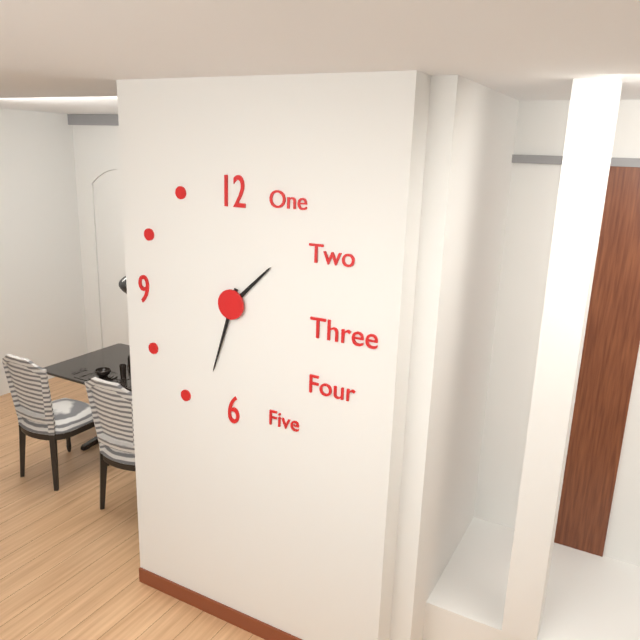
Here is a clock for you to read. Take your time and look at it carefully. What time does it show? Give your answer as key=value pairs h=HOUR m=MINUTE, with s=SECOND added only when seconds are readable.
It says h=1 m=33
